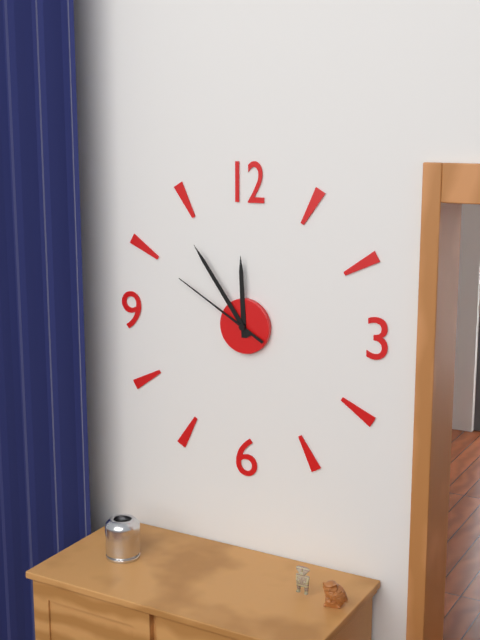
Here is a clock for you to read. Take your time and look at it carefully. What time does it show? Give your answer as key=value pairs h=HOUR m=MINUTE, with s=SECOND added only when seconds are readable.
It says h=11 m=54 s=50
